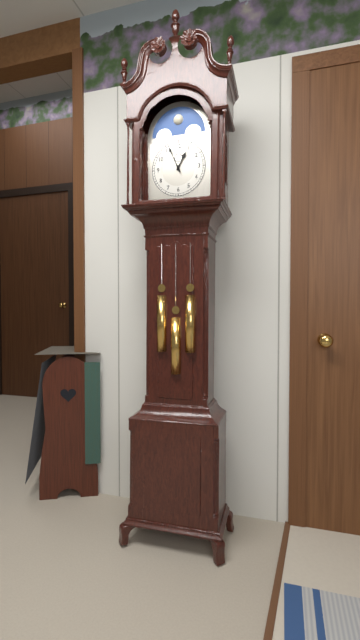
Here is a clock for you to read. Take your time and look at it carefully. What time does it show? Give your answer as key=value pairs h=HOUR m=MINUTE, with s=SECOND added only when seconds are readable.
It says h=12 m=56
